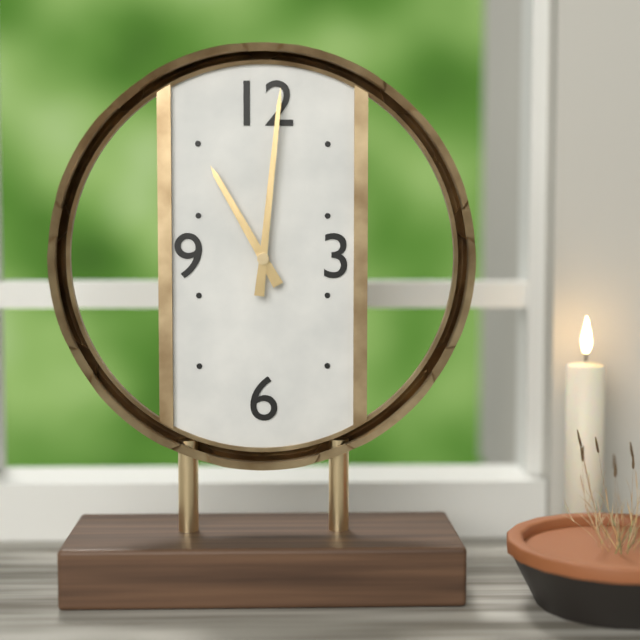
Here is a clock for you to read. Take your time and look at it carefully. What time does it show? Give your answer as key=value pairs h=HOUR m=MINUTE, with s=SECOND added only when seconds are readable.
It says h=11 m=1
